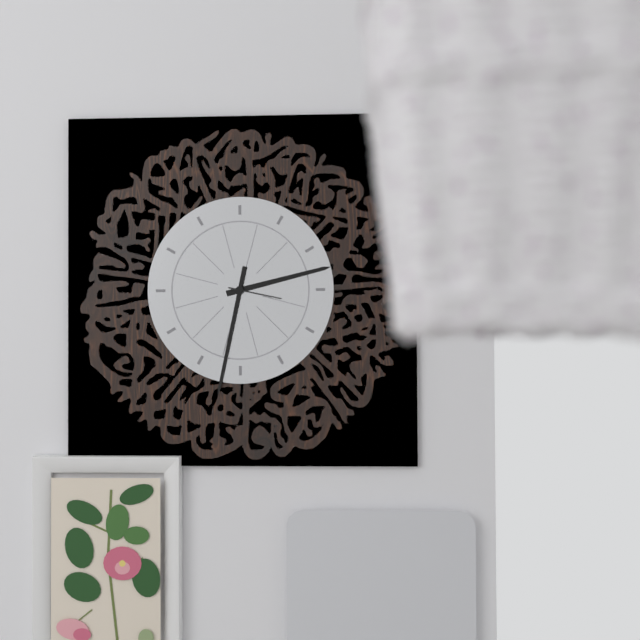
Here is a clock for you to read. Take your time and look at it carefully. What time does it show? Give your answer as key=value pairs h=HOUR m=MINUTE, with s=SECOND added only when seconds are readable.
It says h=2 m=32 s=17
